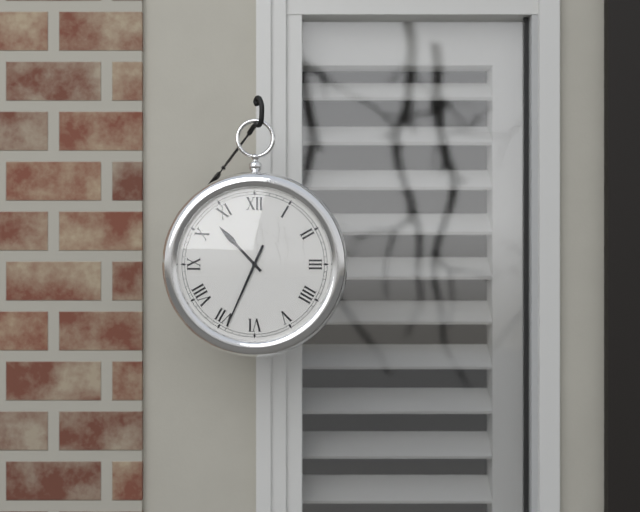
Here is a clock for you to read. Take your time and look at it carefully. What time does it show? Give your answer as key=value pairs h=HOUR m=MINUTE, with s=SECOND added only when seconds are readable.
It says h=10 m=34
